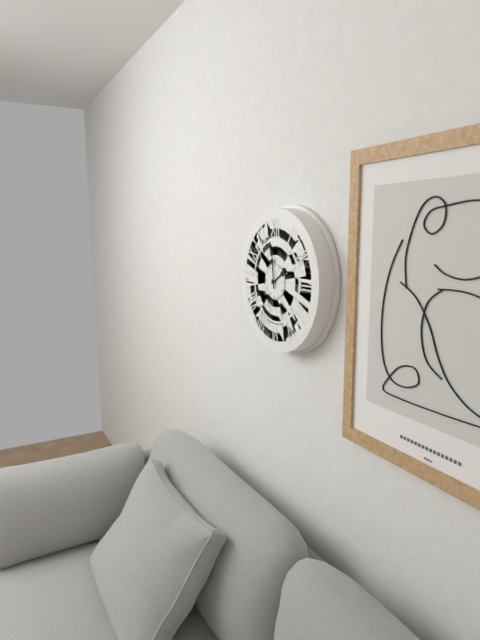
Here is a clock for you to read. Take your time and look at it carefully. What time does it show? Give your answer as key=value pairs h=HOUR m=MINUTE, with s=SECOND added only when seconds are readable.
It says h=1 m=59
